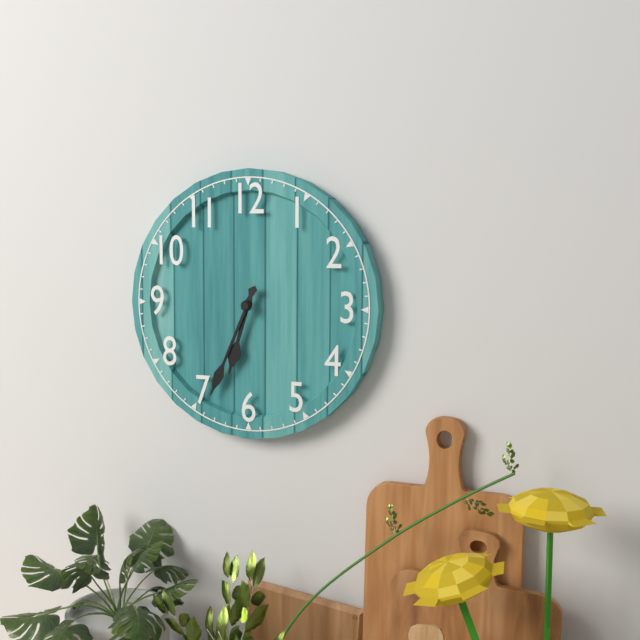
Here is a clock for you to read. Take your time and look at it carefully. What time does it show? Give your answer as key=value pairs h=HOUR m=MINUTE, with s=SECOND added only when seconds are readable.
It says h=6 m=34
